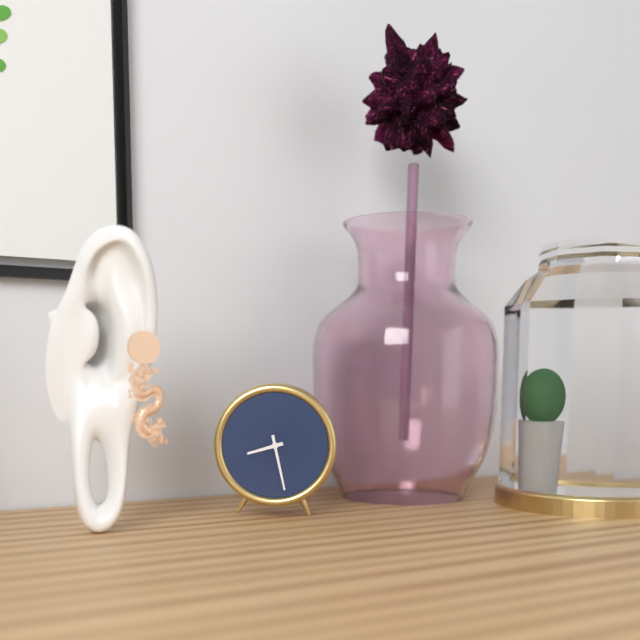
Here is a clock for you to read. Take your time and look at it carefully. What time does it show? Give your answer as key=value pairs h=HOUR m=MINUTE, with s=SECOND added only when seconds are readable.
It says h=8 m=28
